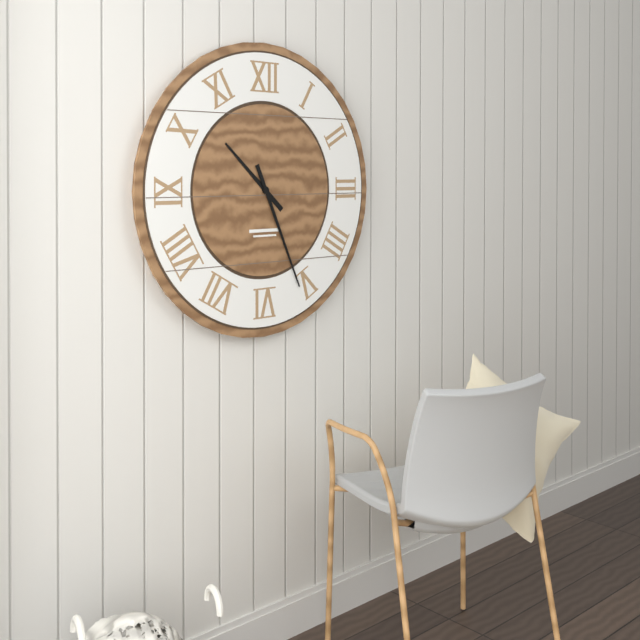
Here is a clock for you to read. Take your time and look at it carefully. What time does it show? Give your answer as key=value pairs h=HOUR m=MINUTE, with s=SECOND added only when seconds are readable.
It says h=10 m=26
